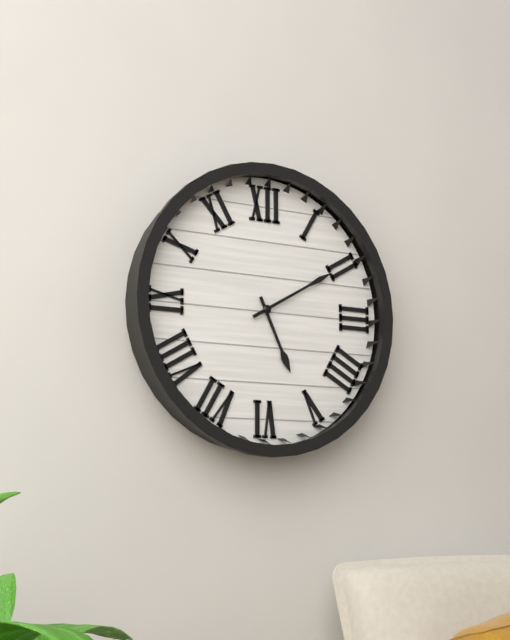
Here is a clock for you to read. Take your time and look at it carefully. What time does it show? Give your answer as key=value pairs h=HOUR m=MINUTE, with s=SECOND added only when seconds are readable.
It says h=5 m=10
